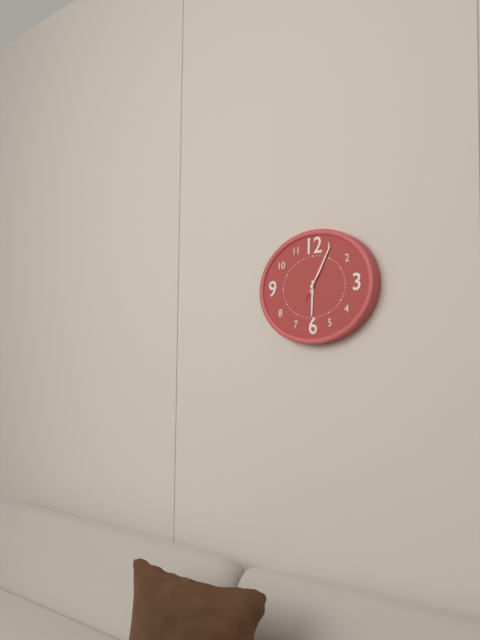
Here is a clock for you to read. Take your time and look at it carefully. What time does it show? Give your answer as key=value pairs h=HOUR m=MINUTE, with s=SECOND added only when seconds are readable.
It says h=6 m=5
